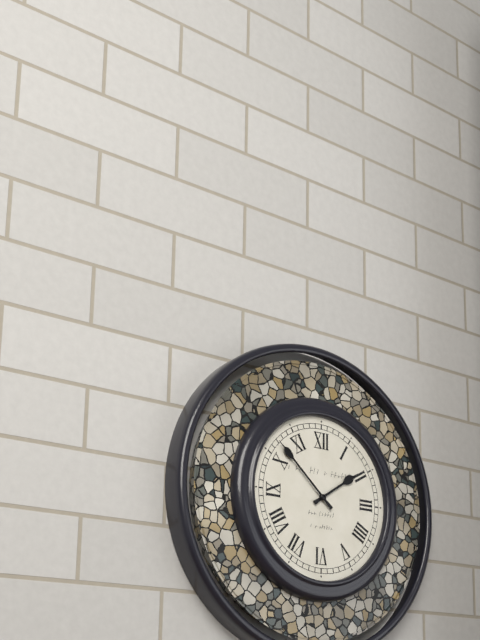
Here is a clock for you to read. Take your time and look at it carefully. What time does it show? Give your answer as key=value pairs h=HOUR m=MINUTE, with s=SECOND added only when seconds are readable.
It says h=1 m=52
